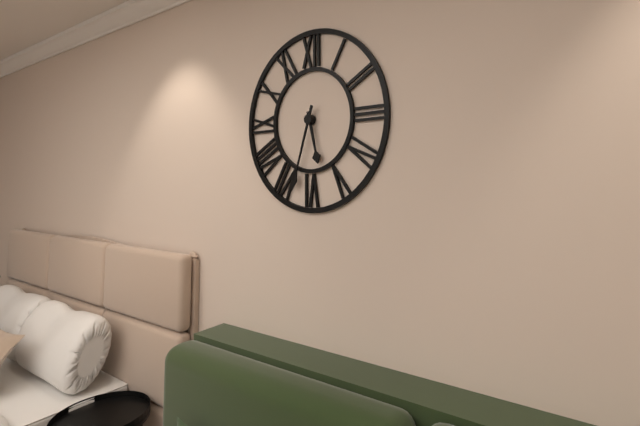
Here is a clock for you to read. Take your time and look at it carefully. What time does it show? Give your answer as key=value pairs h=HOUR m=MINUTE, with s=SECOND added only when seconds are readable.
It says h=5 m=33
